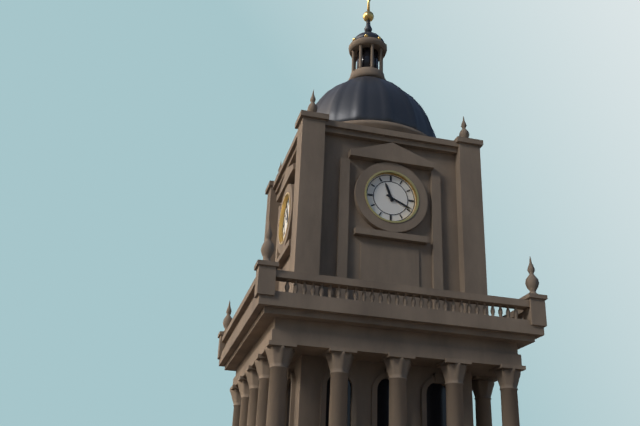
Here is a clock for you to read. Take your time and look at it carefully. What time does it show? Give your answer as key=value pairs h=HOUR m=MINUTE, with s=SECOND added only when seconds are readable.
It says h=11 m=19
